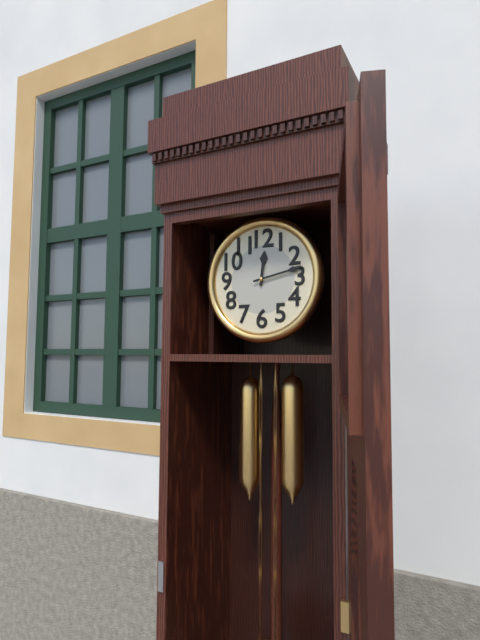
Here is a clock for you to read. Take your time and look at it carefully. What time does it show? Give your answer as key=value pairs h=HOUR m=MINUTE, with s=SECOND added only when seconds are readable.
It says h=12 m=13
